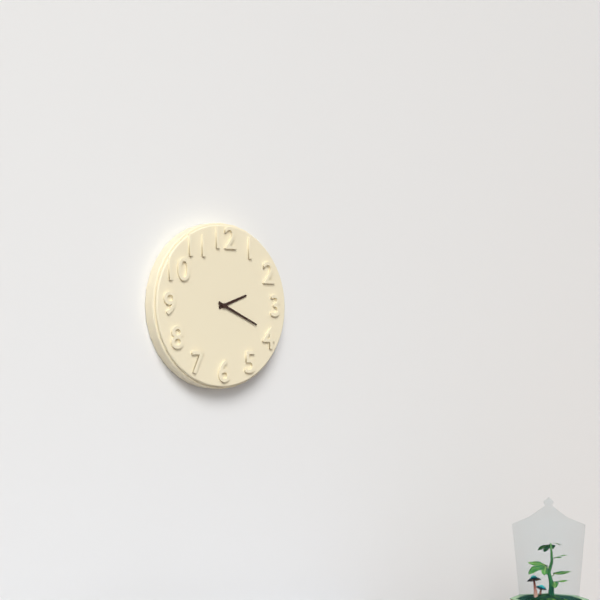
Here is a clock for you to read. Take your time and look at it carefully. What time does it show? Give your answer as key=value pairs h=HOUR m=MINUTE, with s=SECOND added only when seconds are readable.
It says h=2 m=19
